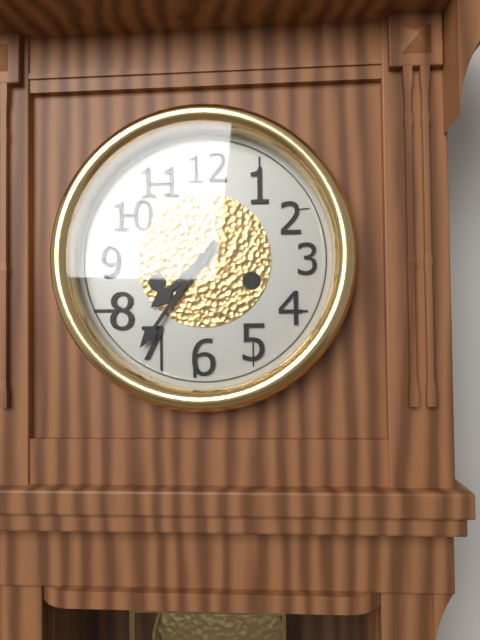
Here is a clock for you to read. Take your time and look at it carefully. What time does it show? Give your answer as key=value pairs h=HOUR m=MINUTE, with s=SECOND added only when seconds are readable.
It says h=7 m=36
